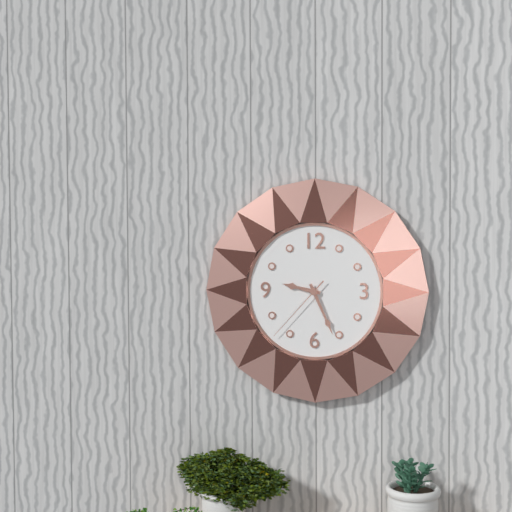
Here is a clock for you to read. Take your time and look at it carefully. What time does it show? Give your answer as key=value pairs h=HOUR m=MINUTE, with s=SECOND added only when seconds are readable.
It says h=9 m=26 s=37
